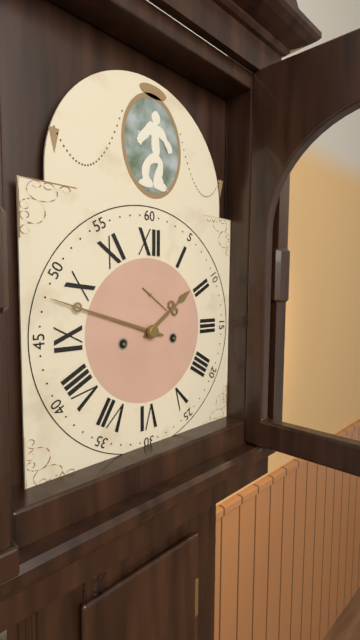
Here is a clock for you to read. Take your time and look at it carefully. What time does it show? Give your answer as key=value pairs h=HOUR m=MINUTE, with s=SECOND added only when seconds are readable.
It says h=1 m=48
